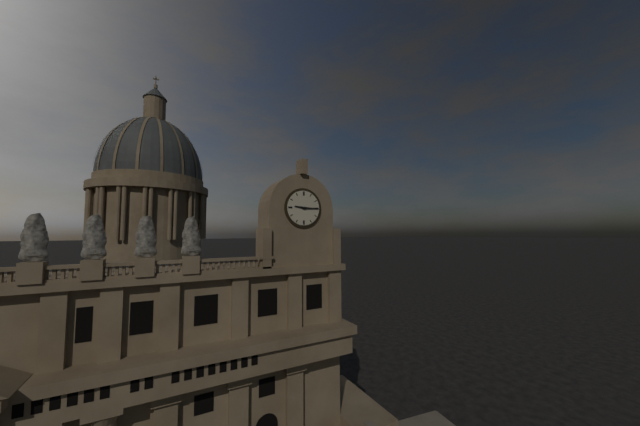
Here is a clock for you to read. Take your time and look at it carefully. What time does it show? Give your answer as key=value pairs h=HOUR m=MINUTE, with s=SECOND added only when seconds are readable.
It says h=9 m=15
